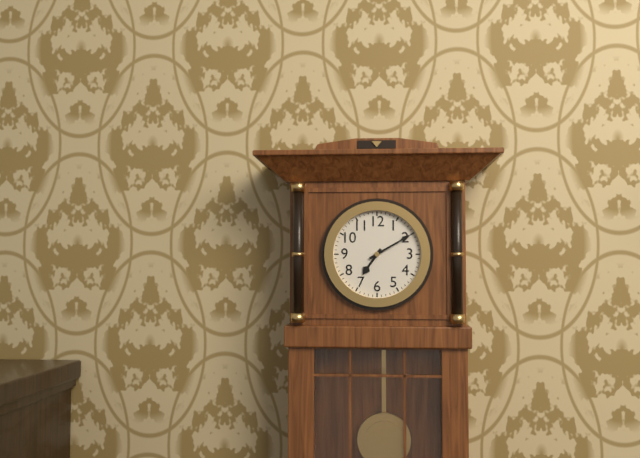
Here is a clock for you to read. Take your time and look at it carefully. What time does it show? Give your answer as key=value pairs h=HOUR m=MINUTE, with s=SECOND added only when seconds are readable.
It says h=7 m=10
